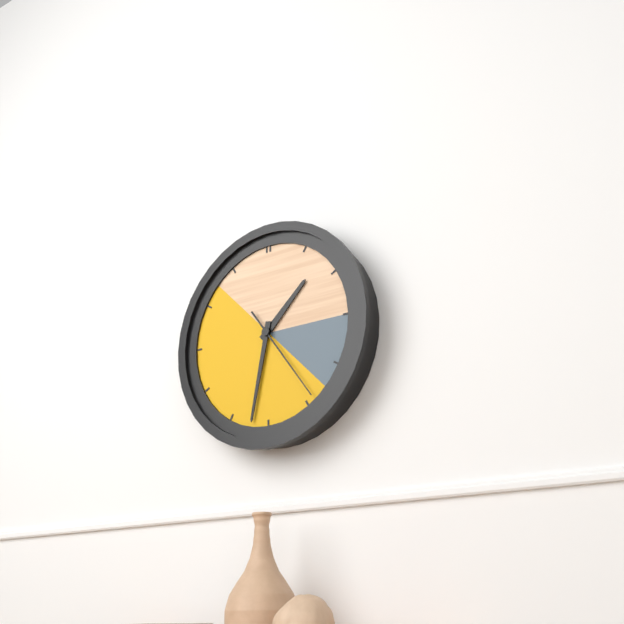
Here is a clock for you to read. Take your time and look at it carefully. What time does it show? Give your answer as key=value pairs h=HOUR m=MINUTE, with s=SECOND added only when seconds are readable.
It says h=1 m=32 s=24
